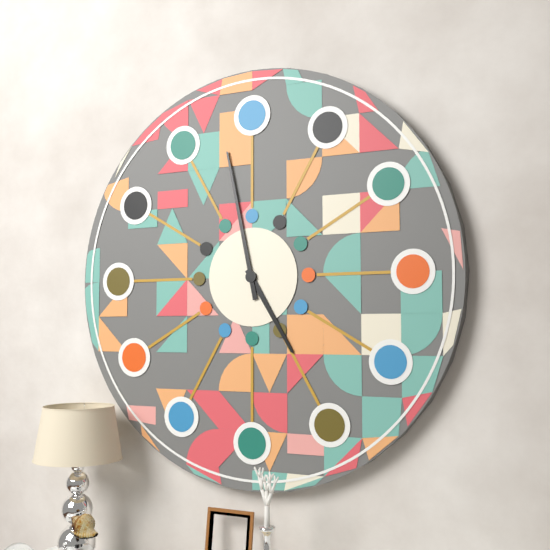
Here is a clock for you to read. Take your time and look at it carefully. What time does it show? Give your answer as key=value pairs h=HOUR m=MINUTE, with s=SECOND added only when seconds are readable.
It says h=4 m=58
